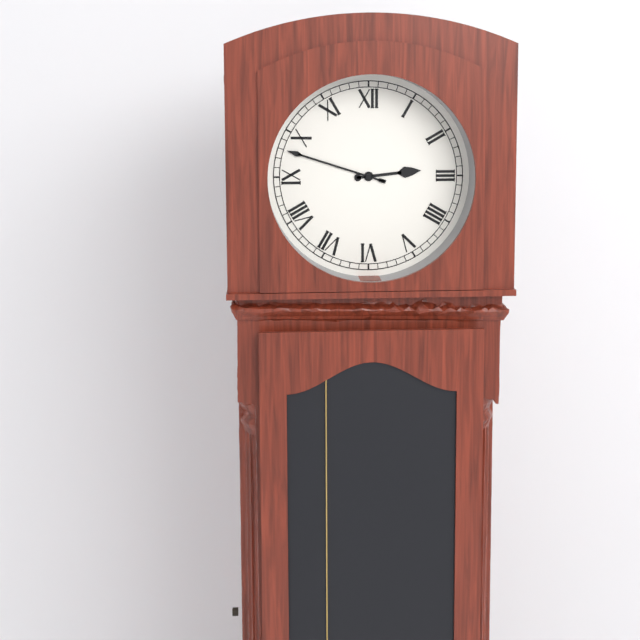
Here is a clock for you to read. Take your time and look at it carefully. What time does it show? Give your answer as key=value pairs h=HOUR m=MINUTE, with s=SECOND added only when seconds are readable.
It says h=2 m=48
